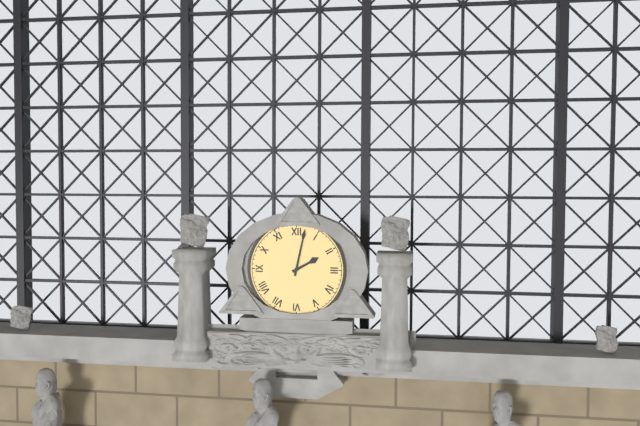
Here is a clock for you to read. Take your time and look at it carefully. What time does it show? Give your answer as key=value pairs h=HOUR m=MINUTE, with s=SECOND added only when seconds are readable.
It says h=2 m=2
